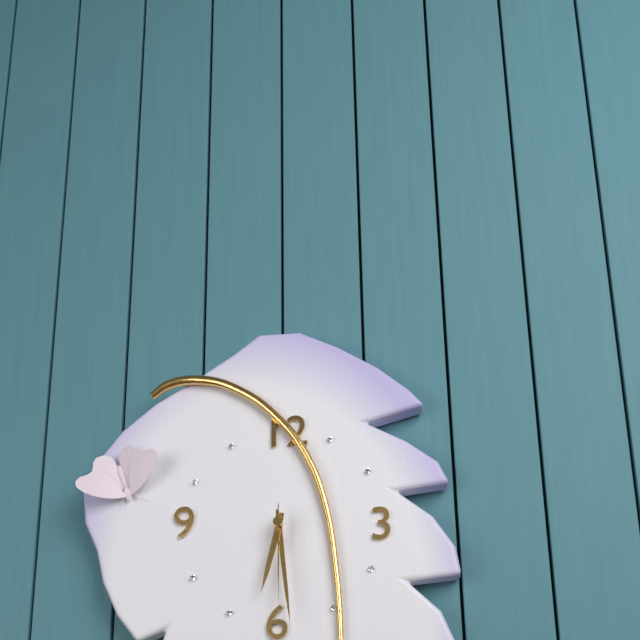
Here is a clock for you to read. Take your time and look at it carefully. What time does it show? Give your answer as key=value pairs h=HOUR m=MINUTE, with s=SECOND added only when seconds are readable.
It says h=6 m=29 s=30
